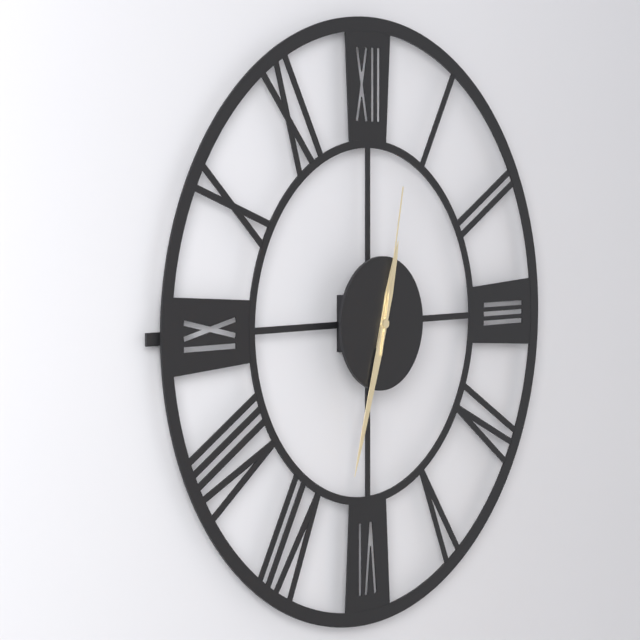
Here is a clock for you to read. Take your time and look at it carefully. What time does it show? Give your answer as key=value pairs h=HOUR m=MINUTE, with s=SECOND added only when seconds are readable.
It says h=12 m=33 s=2
